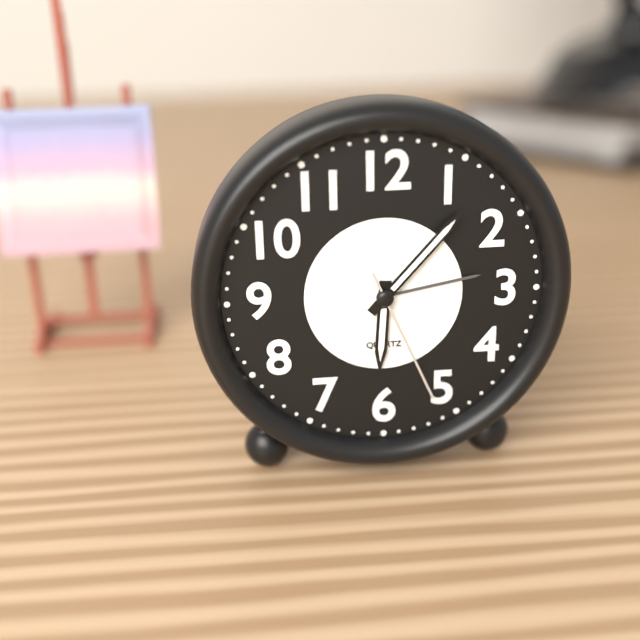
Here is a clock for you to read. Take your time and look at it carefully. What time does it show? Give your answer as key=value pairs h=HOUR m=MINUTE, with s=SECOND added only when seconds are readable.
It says h=6 m=7 s=26
